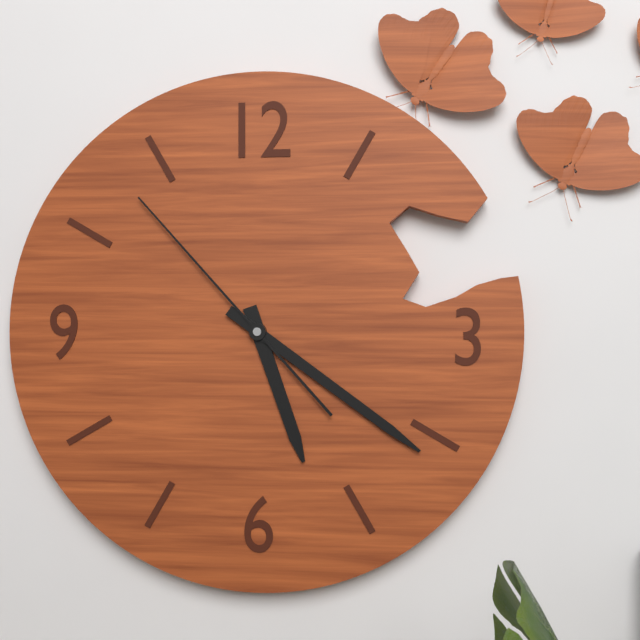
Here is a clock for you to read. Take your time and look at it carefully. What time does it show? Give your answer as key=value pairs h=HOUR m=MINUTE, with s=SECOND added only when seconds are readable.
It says h=5 m=21 s=53
